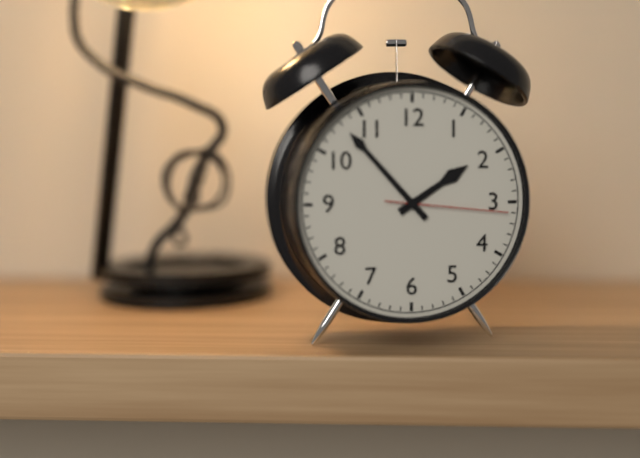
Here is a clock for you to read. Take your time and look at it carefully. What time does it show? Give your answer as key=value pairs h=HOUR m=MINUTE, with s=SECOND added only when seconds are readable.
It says h=1 m=53 s=16
